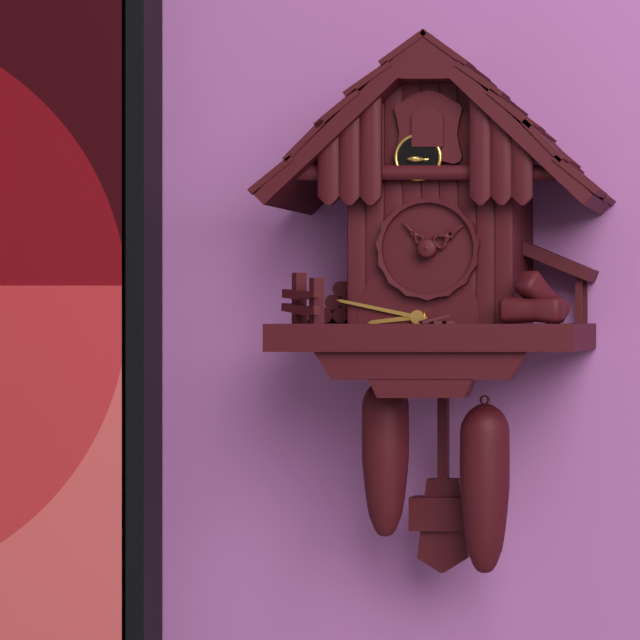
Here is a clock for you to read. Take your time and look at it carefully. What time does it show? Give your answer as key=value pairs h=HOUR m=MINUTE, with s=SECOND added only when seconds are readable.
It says h=8 m=47
